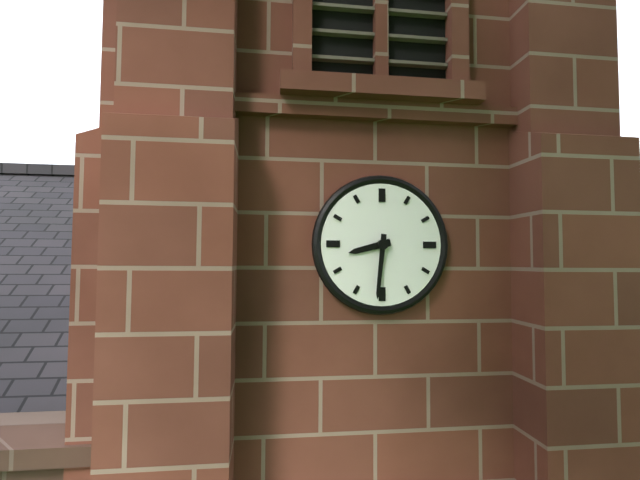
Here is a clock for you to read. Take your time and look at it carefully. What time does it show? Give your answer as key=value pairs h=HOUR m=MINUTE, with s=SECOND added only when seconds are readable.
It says h=8 m=31
